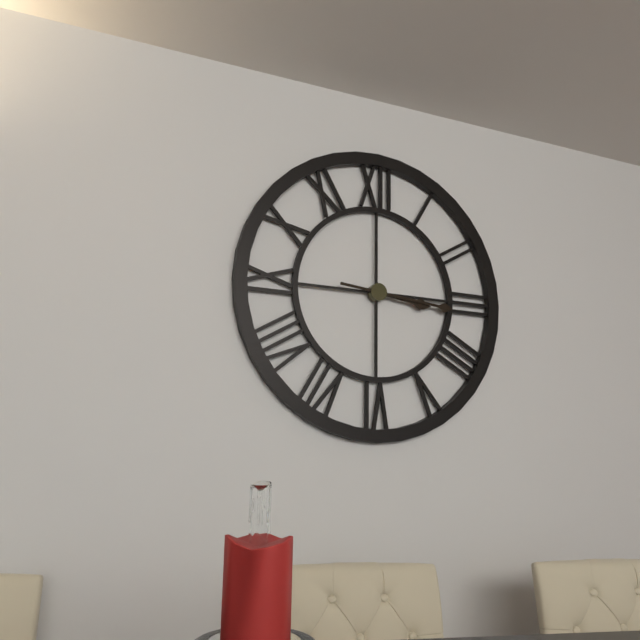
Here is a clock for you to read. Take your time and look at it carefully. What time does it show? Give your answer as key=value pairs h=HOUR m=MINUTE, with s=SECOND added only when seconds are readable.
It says h=3 m=16
